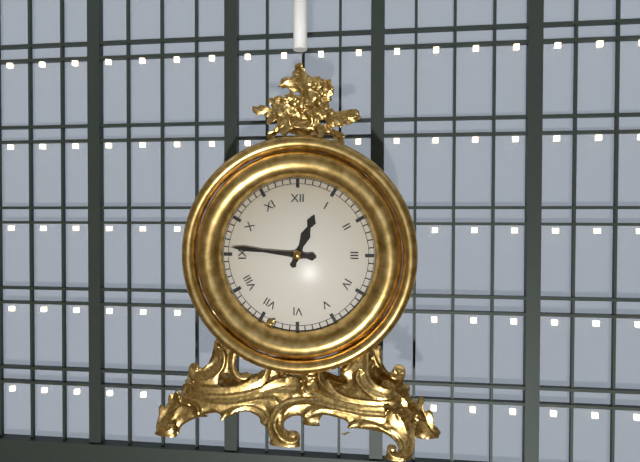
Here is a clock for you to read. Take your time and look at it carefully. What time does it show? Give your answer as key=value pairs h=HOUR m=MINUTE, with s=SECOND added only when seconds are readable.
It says h=12 m=46
